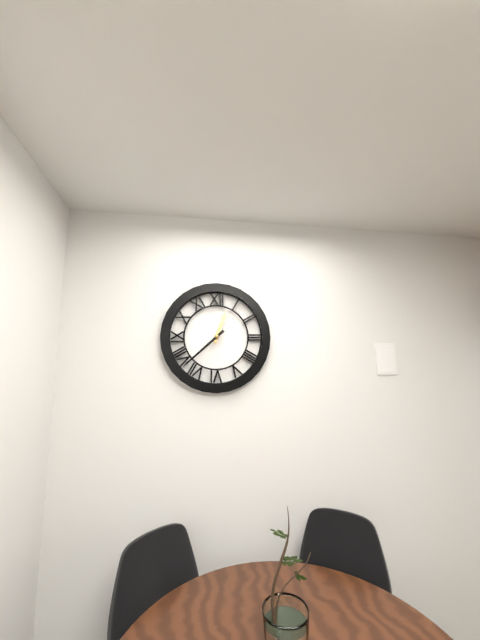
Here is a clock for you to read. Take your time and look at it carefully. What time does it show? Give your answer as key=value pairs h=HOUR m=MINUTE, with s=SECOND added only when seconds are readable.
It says h=12 m=38
